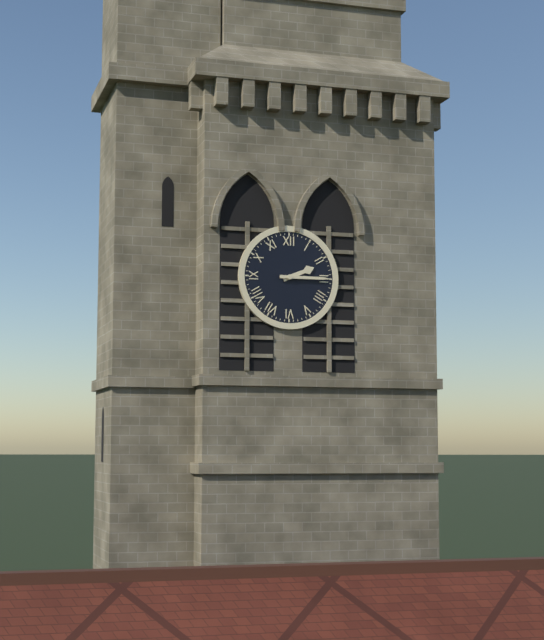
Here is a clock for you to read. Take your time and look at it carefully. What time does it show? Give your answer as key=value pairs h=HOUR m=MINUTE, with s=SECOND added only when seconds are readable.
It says h=2 m=15
